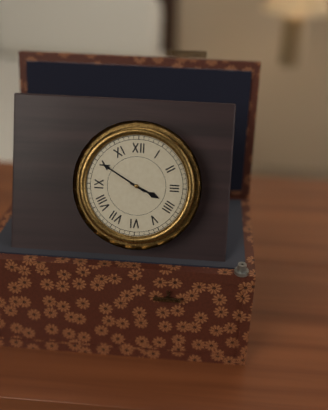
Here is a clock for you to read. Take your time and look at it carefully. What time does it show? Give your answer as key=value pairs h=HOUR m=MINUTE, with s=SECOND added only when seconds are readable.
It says h=3 m=50
